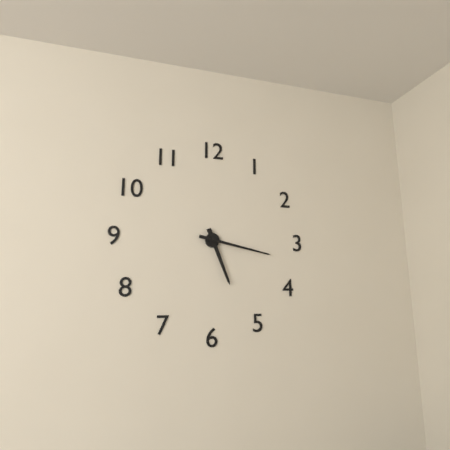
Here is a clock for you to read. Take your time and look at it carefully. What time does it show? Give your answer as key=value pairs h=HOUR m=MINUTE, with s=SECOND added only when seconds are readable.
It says h=5 m=17
